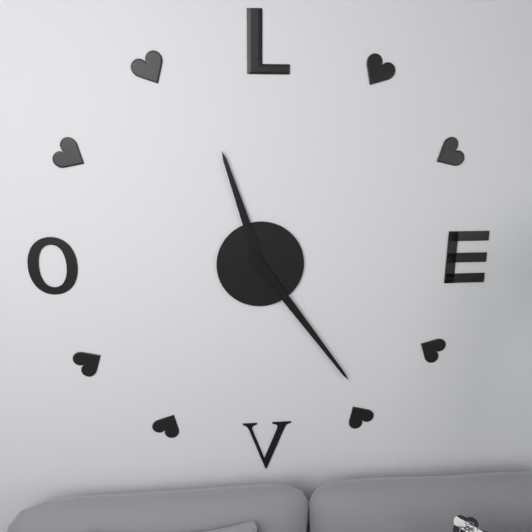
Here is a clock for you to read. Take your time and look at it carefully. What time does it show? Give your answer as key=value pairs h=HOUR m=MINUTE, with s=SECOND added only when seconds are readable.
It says h=11 m=24
